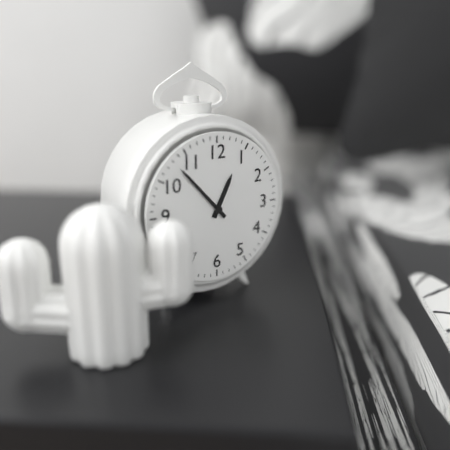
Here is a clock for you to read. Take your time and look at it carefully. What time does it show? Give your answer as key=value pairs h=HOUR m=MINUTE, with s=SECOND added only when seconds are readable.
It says h=12 m=53
